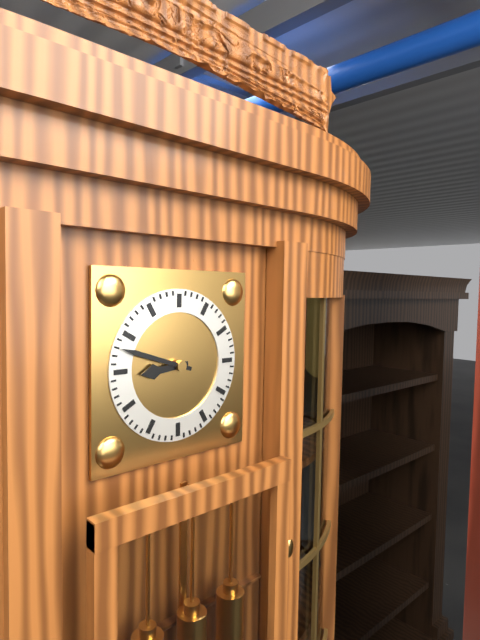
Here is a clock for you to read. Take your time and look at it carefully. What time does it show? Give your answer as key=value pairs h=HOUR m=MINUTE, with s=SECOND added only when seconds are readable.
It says h=8 m=48
